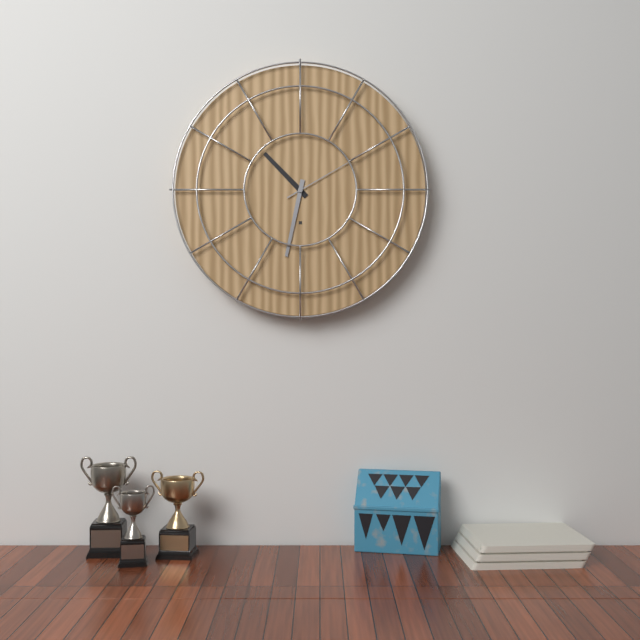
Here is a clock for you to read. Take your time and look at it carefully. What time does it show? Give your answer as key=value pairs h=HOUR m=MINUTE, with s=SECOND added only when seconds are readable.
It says h=10 m=32 s=10
